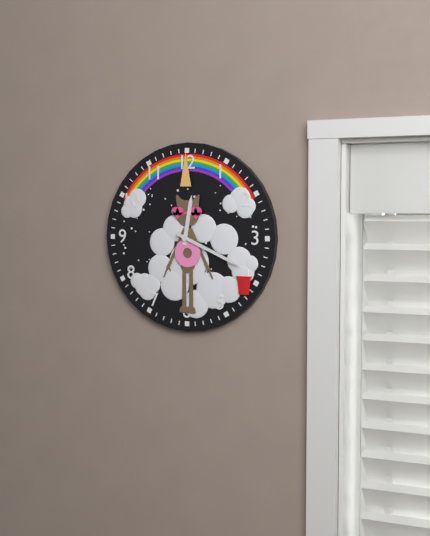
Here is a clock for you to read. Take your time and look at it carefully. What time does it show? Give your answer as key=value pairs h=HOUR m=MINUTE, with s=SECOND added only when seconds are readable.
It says h=12 m=19
